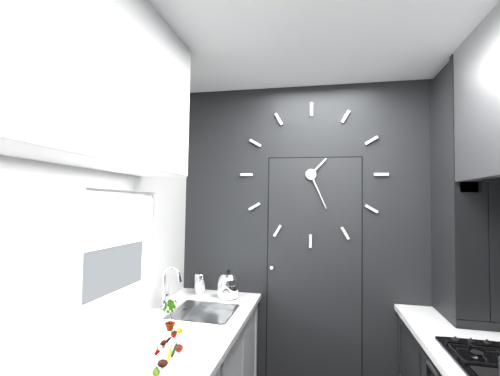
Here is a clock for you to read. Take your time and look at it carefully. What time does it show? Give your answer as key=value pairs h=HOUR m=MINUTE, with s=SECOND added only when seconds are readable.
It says h=1 m=26
